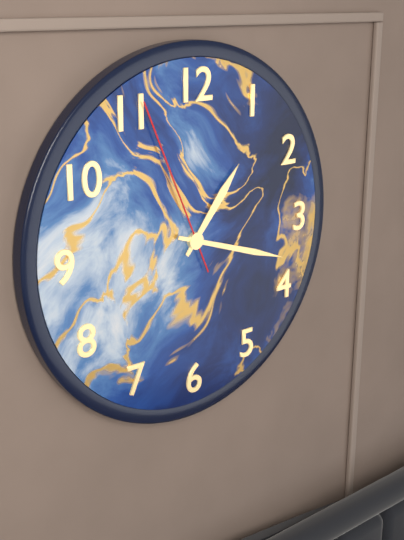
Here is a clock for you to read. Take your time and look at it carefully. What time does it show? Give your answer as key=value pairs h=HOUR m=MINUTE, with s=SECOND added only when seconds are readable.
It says h=1 m=18 s=56
